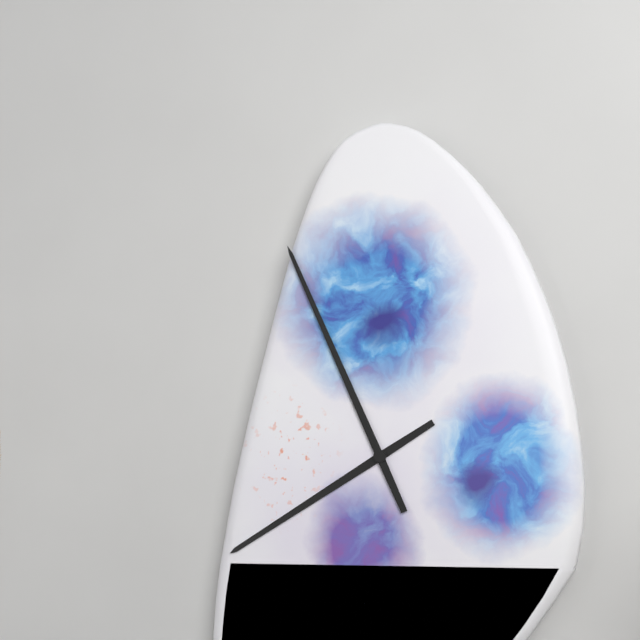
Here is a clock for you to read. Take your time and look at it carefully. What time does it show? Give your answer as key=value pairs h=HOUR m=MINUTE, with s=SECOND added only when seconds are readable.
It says h=7 m=56
